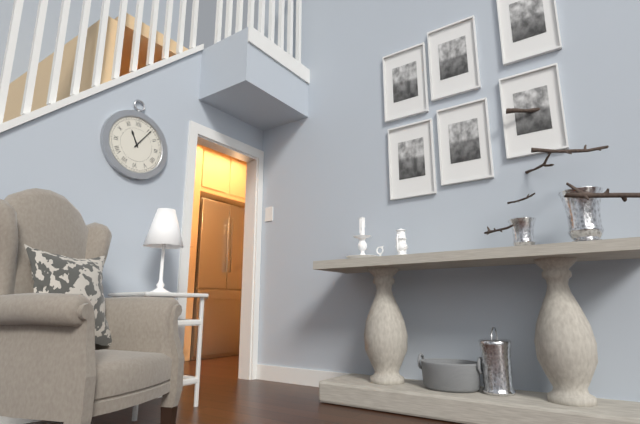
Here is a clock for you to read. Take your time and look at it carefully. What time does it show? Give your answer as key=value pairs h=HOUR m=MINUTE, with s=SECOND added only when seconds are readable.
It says h=11 m=6
